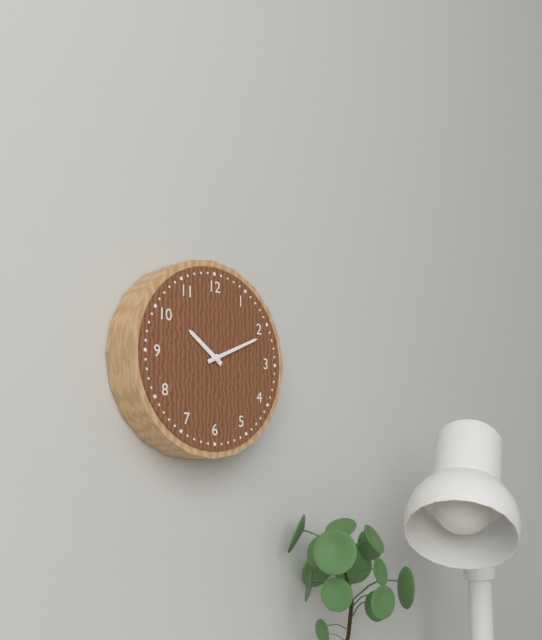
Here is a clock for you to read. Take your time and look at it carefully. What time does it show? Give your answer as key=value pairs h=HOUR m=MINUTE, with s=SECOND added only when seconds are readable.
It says h=10 m=11
